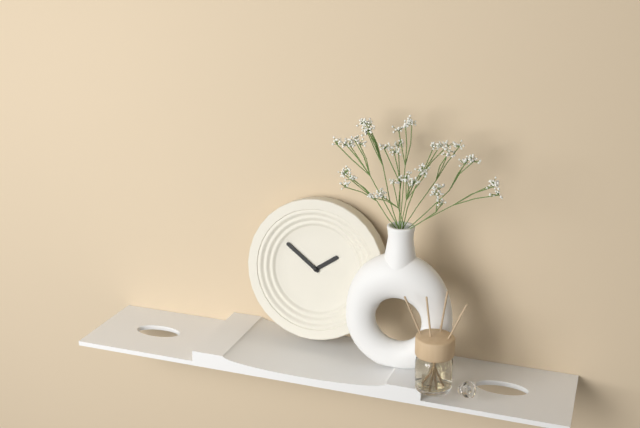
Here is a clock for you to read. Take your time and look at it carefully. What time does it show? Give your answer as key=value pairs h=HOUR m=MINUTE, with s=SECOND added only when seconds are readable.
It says h=1 m=51
